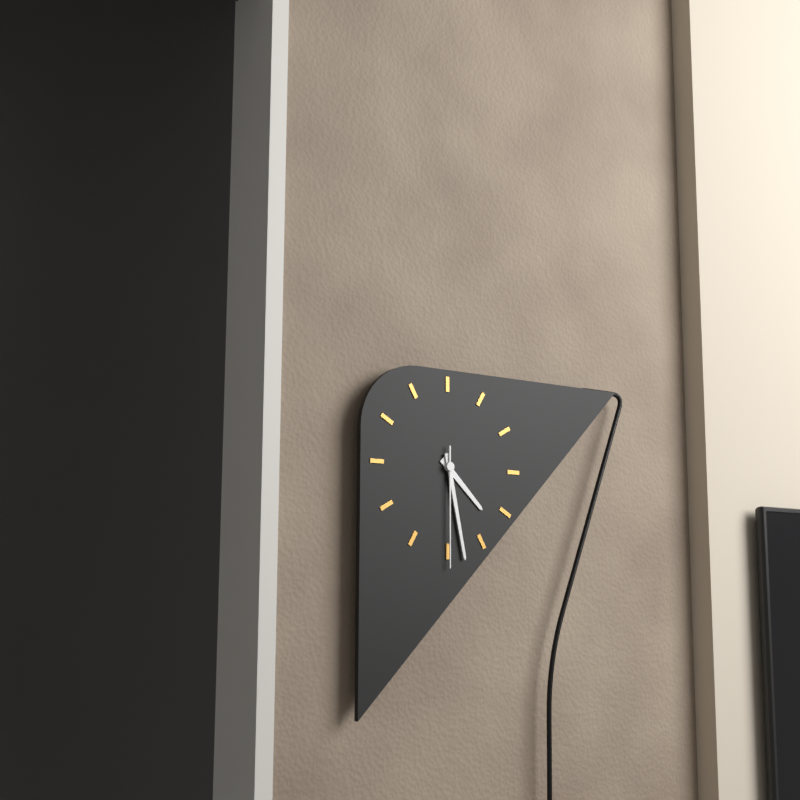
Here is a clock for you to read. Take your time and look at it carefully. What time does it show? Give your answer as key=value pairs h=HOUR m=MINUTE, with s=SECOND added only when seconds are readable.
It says h=4 m=28 s=30
